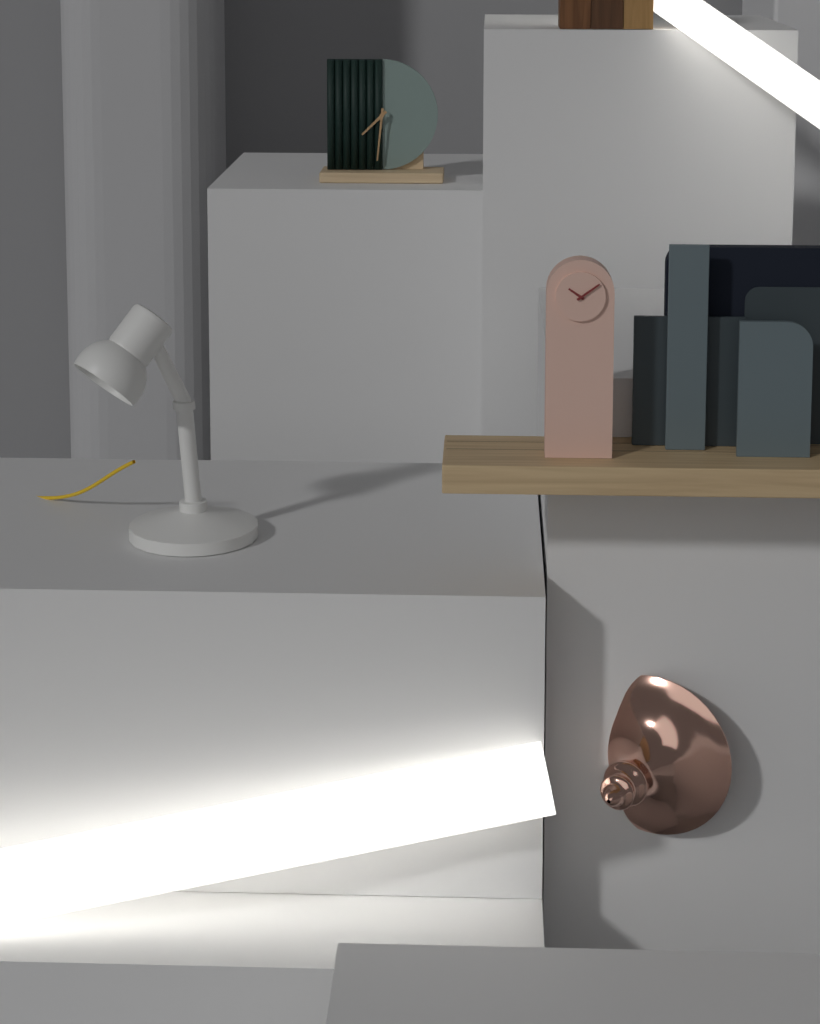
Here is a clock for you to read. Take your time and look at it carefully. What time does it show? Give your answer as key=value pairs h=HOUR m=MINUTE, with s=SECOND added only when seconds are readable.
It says h=7 m=31
